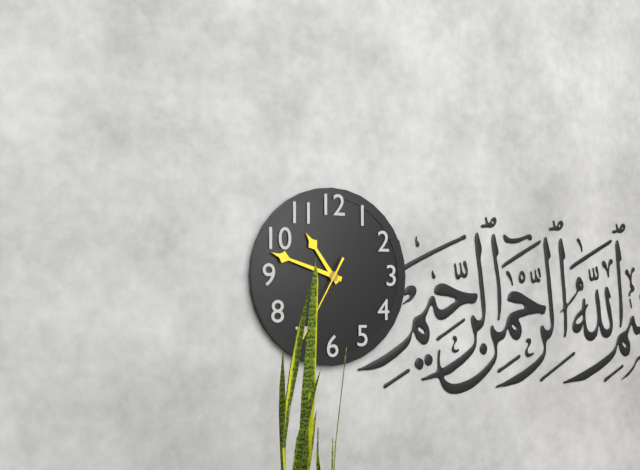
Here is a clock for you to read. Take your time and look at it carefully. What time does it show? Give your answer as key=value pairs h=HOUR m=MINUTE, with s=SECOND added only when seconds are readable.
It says h=10 m=48
